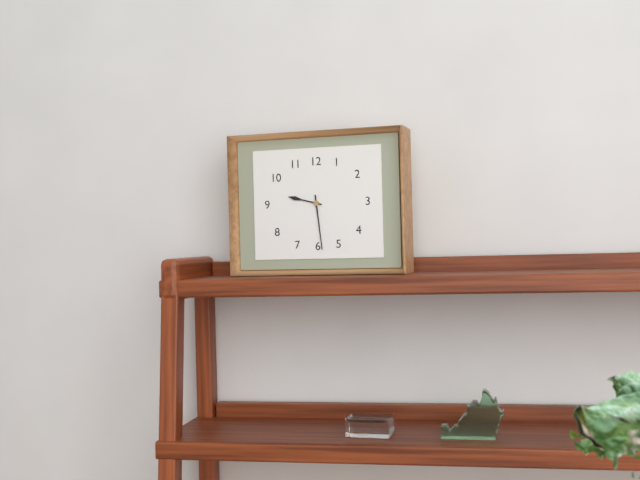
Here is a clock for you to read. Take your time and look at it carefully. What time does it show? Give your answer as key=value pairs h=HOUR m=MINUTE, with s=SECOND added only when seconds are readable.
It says h=9 m=29
